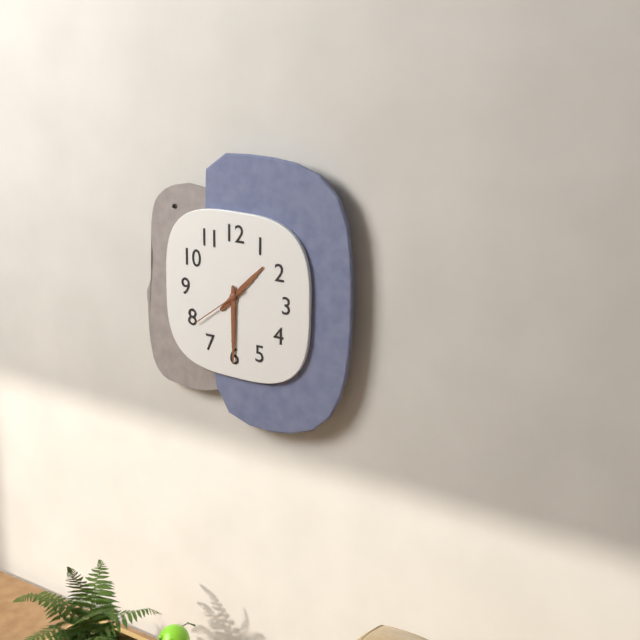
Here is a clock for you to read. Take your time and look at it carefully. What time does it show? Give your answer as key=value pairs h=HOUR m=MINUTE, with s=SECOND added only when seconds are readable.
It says h=1 m=30 s=39
